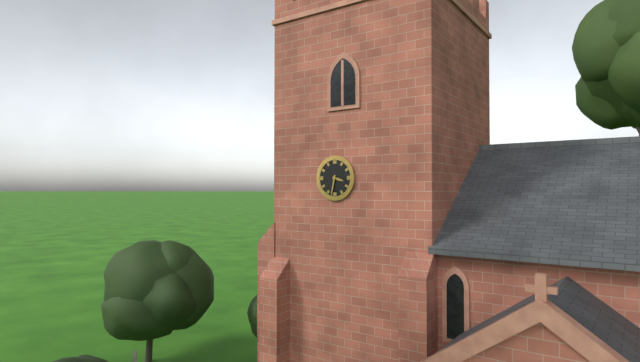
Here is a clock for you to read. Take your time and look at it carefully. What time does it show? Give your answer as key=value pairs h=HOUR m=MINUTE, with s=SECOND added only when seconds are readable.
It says h=3 m=32
